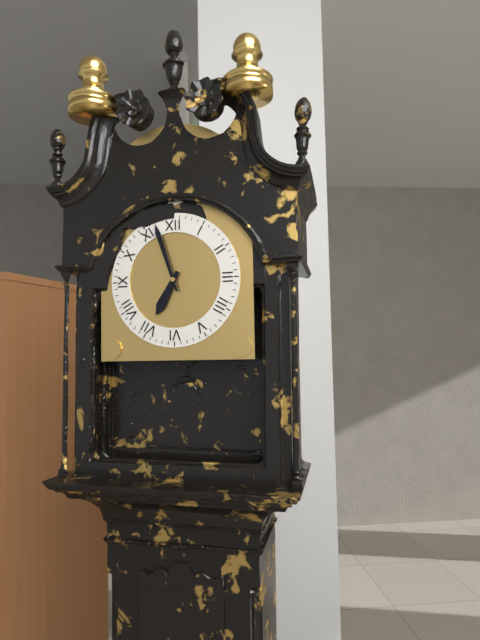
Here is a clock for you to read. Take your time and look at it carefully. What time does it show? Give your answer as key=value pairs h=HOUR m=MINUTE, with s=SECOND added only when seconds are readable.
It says h=6 m=57
